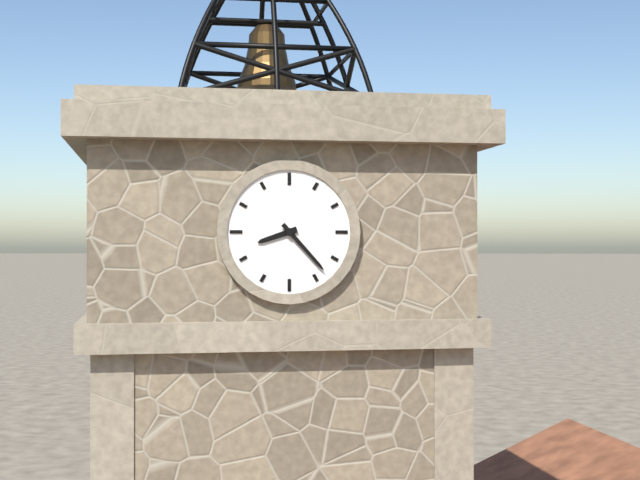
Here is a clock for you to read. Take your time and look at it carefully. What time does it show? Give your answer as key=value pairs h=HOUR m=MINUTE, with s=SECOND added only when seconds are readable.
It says h=8 m=23
